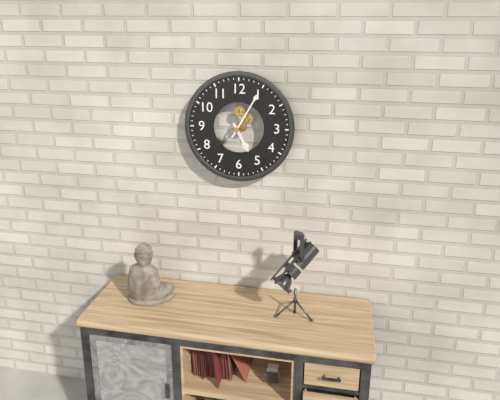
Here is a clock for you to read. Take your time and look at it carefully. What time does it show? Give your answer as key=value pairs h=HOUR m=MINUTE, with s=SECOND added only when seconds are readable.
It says h=5 m=5
